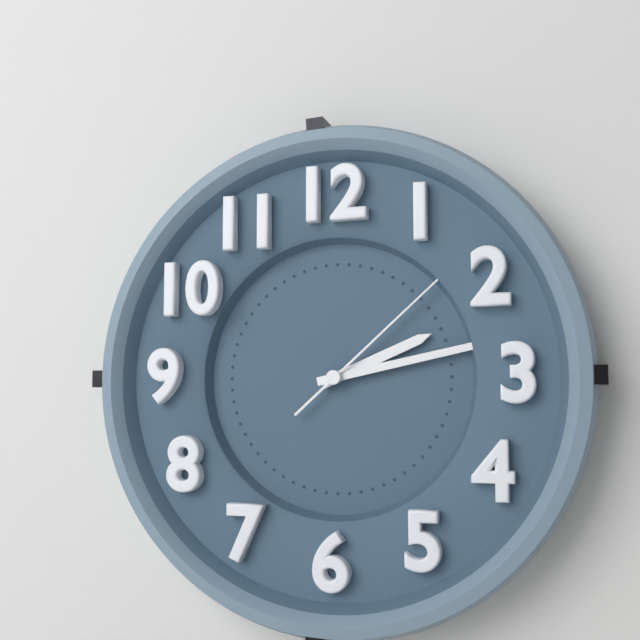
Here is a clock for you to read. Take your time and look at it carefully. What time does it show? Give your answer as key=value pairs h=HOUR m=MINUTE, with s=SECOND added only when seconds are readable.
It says h=2 m=13 s=8
